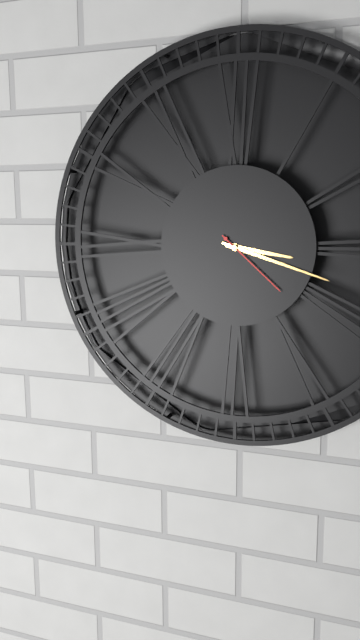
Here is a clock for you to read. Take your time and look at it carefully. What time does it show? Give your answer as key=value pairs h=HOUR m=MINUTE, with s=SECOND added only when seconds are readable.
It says h=3 m=18 s=22
